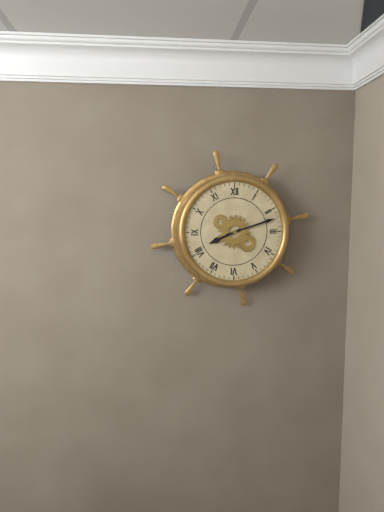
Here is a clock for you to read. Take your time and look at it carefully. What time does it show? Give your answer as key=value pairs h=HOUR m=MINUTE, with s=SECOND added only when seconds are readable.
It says h=8 m=12
